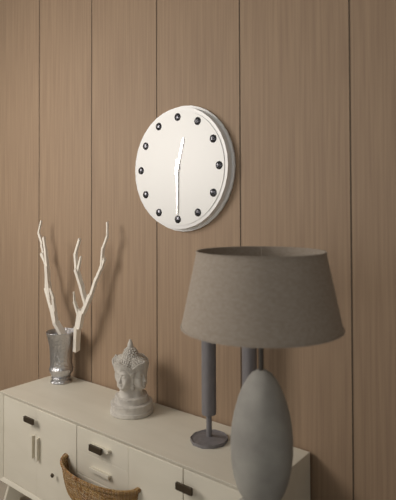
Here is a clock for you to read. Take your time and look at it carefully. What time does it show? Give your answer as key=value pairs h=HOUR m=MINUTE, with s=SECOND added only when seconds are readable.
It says h=12 m=30
